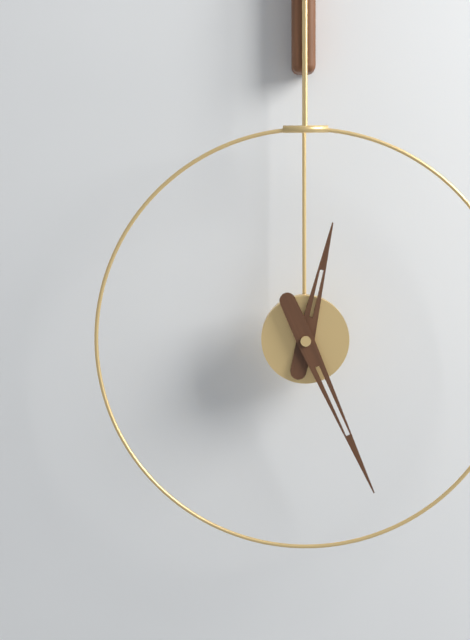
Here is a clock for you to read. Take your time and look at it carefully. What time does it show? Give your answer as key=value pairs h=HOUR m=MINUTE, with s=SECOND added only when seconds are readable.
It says h=12 m=26
